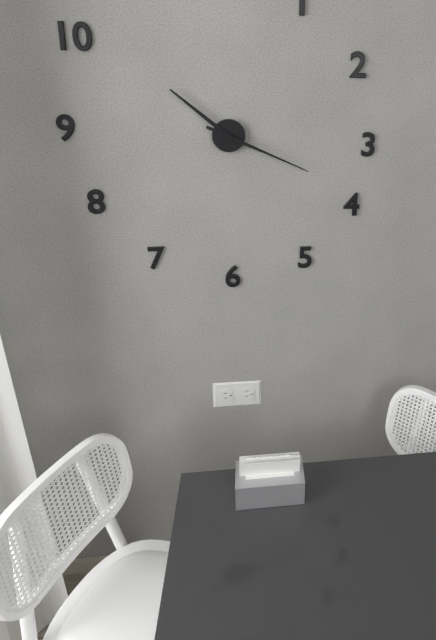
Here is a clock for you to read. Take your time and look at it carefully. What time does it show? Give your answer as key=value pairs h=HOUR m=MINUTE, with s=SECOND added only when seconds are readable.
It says h=10 m=19
